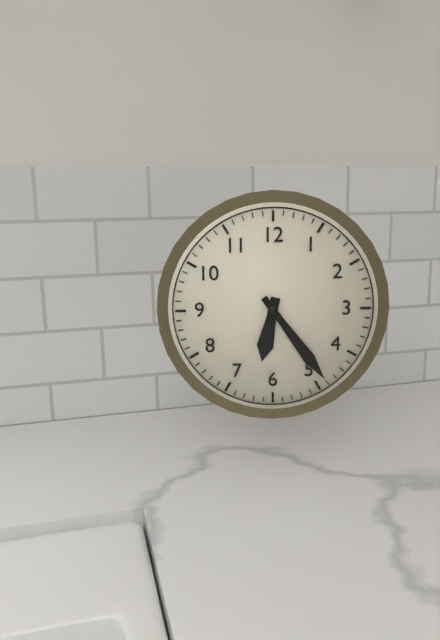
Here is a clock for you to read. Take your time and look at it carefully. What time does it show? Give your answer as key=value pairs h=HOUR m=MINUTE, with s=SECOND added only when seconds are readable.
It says h=6 m=24
